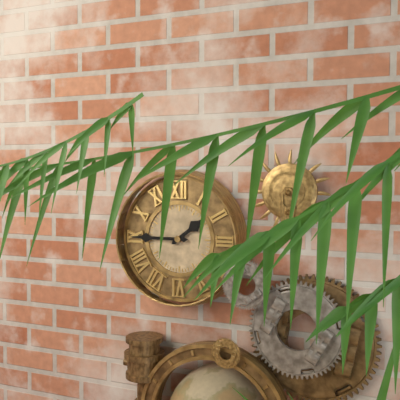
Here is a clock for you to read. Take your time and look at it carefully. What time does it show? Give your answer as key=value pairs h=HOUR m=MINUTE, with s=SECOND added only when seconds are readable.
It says h=1 m=45
